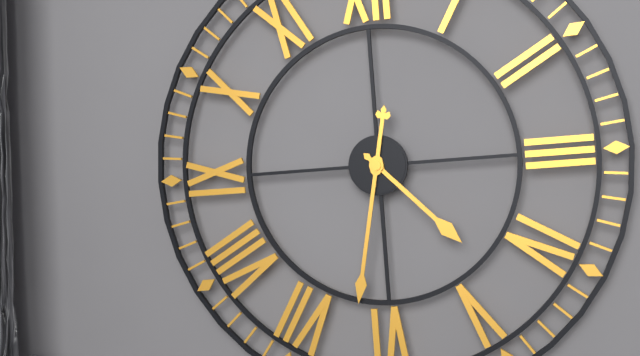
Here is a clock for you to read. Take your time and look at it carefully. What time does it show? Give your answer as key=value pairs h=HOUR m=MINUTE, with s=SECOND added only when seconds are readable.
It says h=4 m=32
